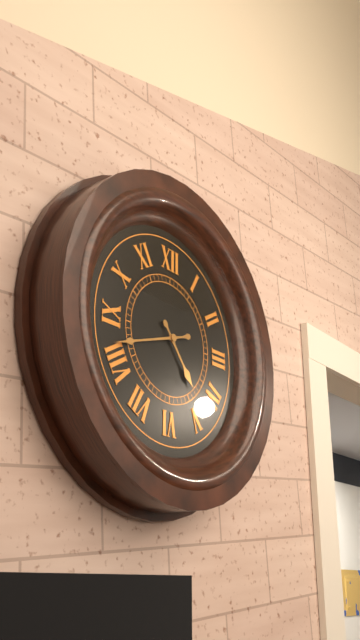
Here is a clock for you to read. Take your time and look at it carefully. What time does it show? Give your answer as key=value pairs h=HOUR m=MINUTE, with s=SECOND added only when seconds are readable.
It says h=4 m=42
